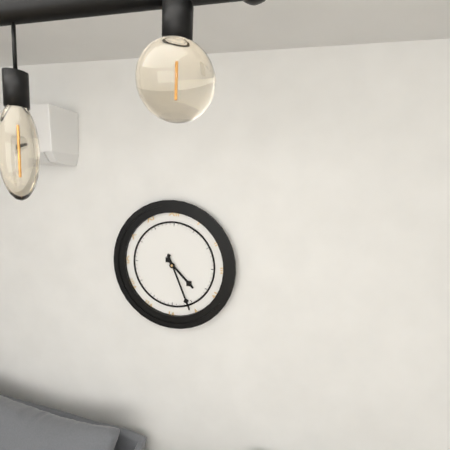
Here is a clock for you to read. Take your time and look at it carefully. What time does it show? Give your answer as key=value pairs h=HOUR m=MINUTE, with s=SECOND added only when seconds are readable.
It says h=4 m=26
